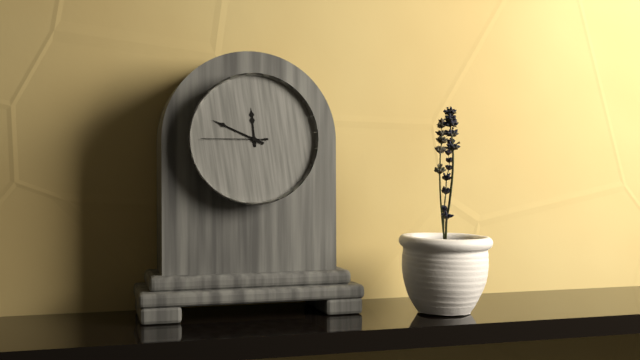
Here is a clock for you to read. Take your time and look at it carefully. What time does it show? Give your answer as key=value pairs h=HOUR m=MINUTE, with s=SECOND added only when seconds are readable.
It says h=11 m=49 s=45
